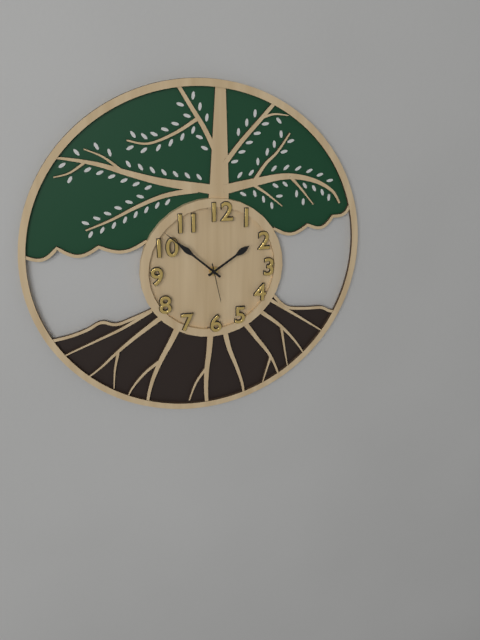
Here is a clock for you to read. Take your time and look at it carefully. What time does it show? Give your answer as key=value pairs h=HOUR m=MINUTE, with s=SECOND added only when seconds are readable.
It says h=1 m=52
